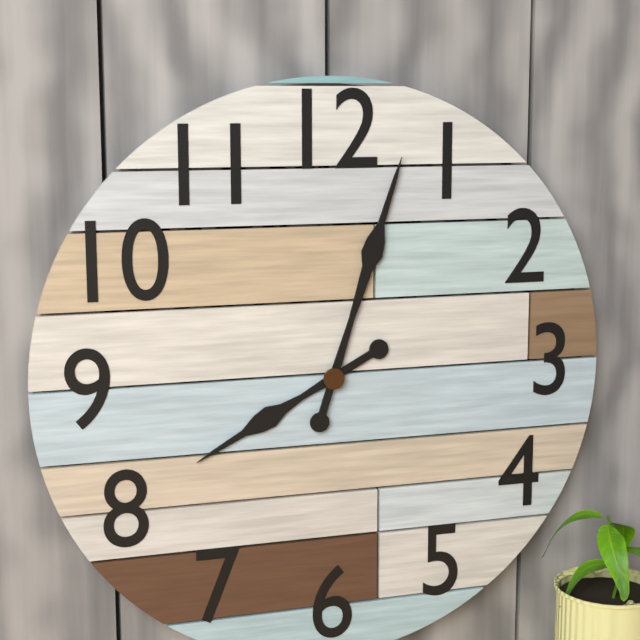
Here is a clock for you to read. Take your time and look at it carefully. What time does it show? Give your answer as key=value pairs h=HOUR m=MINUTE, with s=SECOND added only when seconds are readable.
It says h=8 m=3
